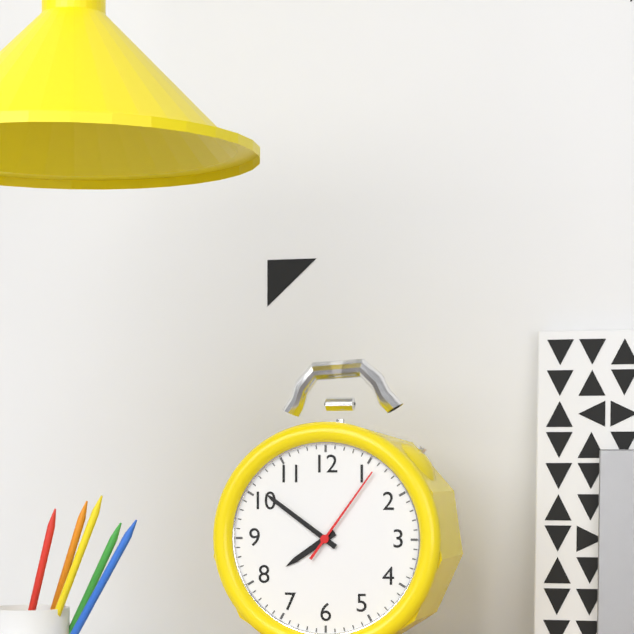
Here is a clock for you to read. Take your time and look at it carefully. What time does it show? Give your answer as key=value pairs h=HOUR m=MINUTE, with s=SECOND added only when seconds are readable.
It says h=7 m=51 s=6
